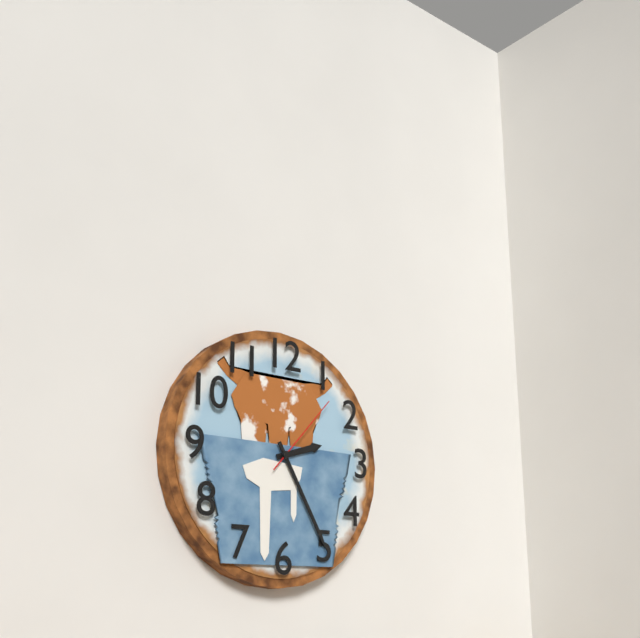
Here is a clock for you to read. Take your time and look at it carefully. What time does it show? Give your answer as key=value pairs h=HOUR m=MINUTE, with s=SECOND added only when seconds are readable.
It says h=2 m=25 s=7
